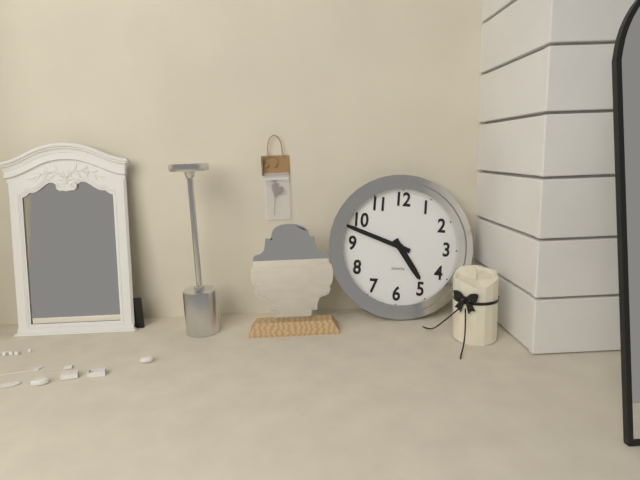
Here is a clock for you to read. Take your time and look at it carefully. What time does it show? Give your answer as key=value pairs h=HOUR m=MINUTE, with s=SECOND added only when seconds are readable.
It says h=4 m=48
